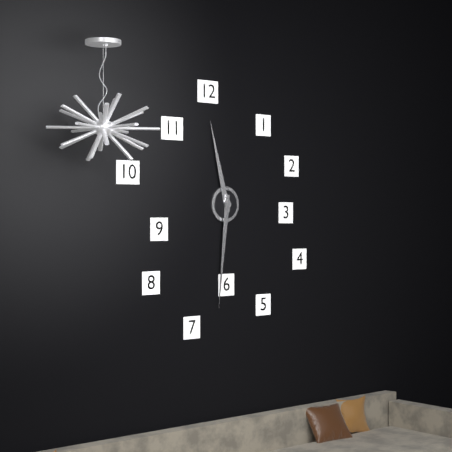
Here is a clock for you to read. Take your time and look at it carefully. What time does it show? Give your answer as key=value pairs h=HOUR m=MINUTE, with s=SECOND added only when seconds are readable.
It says h=11 m=31
